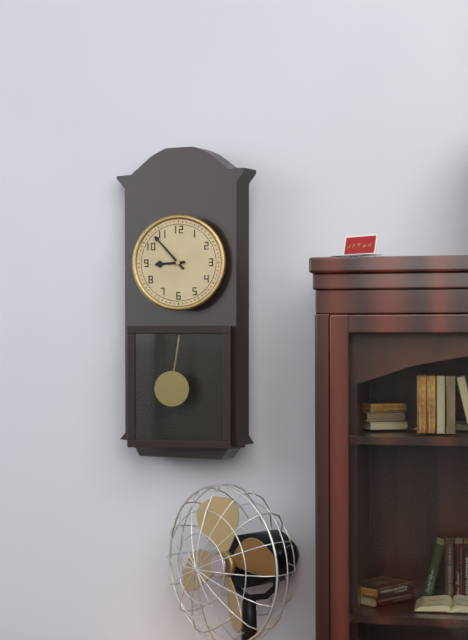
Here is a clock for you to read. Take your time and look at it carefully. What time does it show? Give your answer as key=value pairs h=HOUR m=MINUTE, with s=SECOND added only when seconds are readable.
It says h=8 m=53
